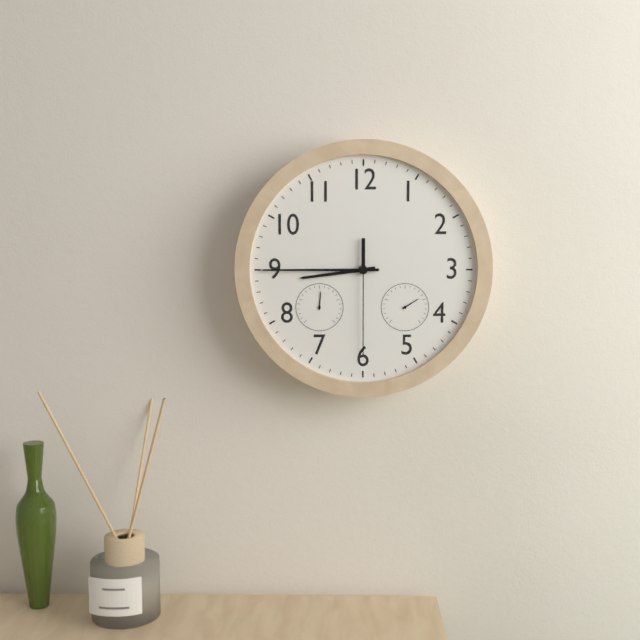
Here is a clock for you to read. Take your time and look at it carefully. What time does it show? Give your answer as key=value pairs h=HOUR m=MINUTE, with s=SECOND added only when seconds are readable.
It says h=8 m=45 s=30
